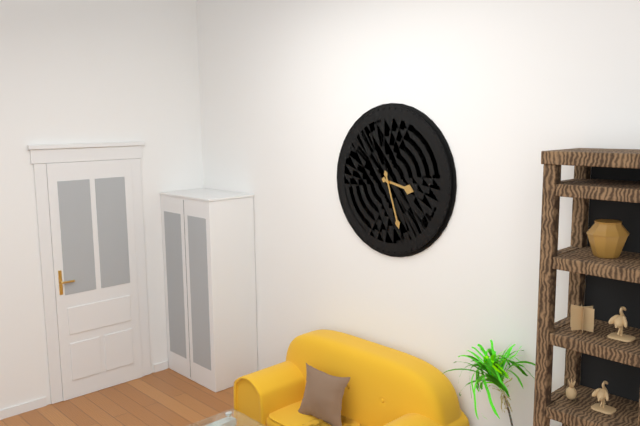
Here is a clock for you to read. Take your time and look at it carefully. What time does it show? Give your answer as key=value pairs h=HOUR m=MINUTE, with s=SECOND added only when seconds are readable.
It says h=3 m=27
